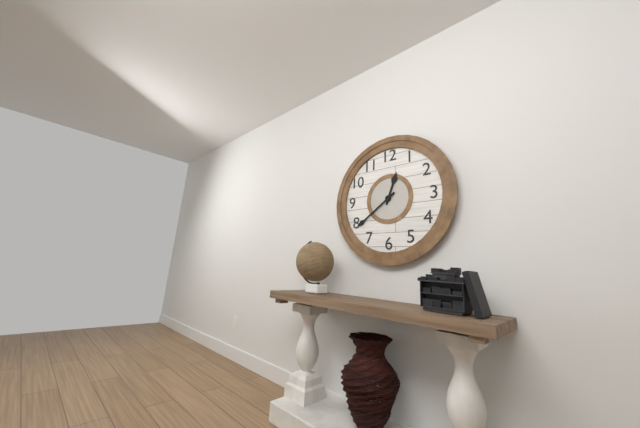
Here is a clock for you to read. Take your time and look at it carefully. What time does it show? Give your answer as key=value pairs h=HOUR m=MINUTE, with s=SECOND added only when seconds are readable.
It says h=12 m=39
